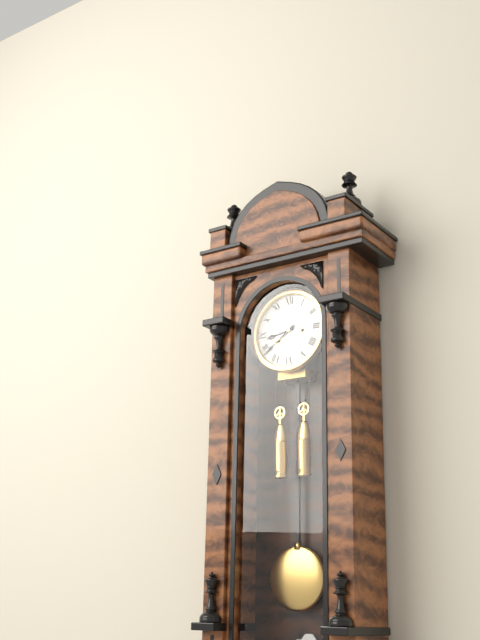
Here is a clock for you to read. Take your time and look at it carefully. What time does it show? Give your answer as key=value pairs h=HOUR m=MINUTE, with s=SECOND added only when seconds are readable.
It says h=8 m=39
